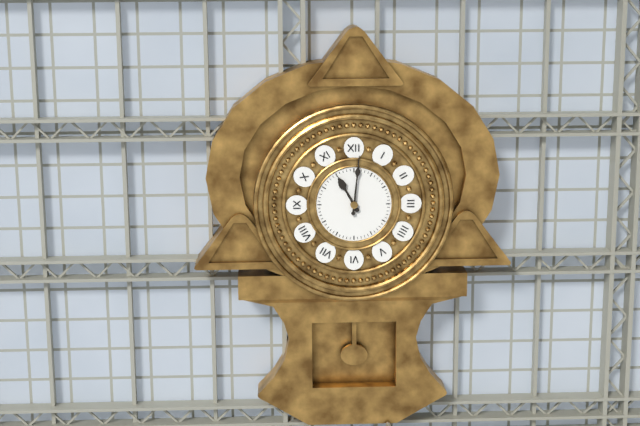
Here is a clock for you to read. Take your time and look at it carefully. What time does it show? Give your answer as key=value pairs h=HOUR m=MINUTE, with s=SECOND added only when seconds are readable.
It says h=11 m=1
